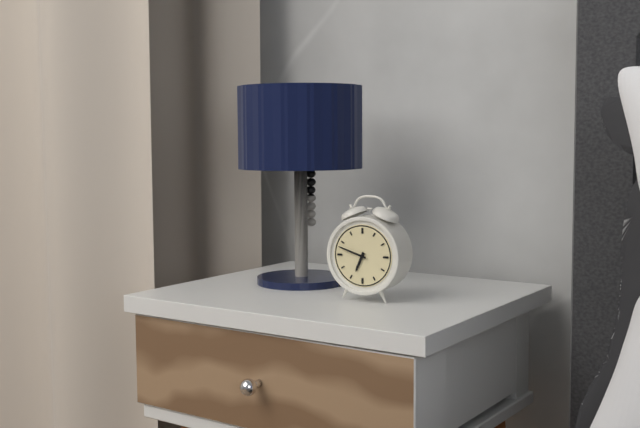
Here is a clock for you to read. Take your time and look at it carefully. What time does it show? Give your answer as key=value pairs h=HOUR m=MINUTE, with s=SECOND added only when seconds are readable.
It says h=6 m=48
